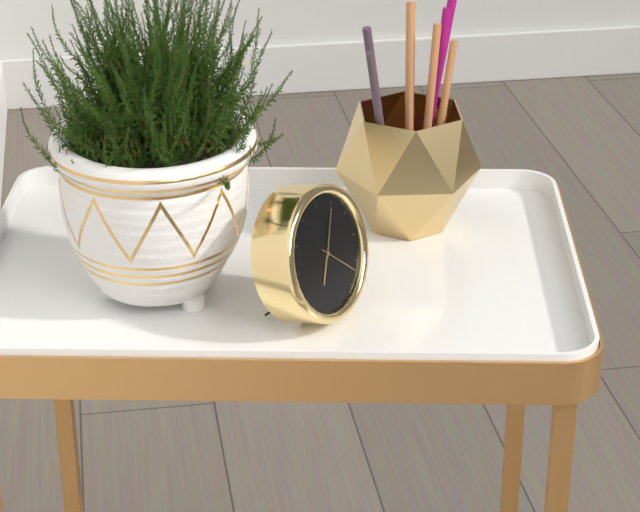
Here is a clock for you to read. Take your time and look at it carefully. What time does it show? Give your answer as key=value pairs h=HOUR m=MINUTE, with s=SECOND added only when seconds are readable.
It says h=7 m=5
